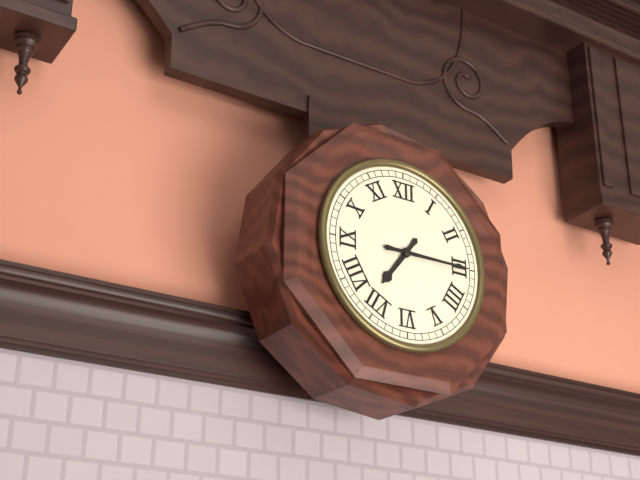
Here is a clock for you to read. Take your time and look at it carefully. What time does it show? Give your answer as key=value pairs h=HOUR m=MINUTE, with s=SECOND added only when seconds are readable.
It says h=7 m=15
